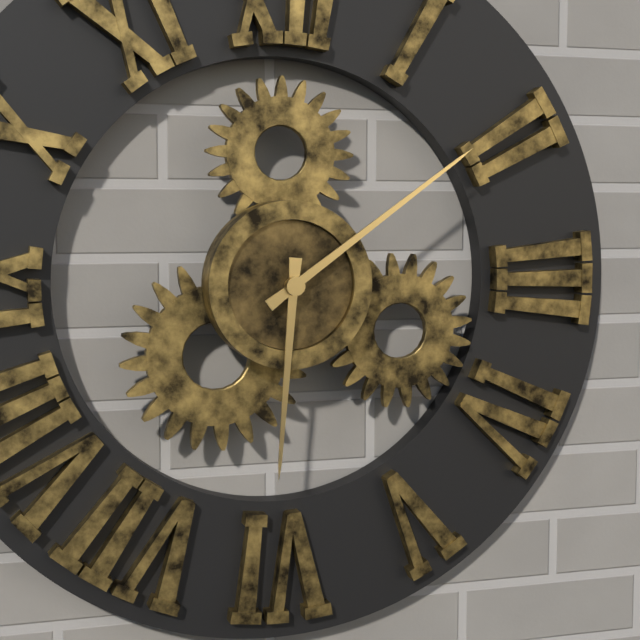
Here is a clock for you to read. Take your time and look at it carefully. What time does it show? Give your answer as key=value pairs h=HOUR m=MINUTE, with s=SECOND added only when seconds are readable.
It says h=6 m=9
